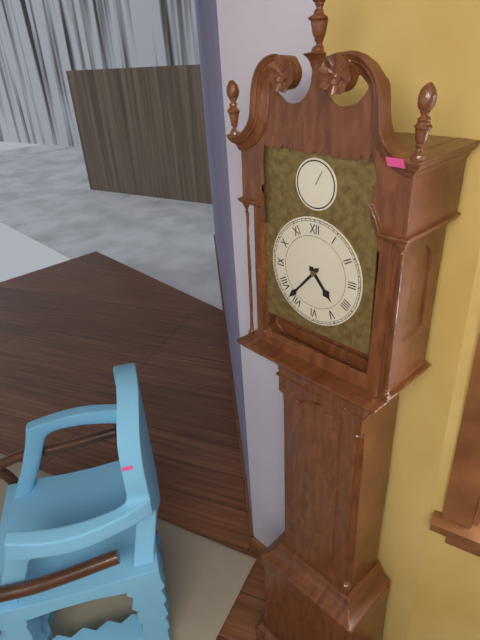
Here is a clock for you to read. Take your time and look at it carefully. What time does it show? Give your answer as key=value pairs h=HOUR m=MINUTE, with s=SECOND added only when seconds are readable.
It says h=4 m=37
